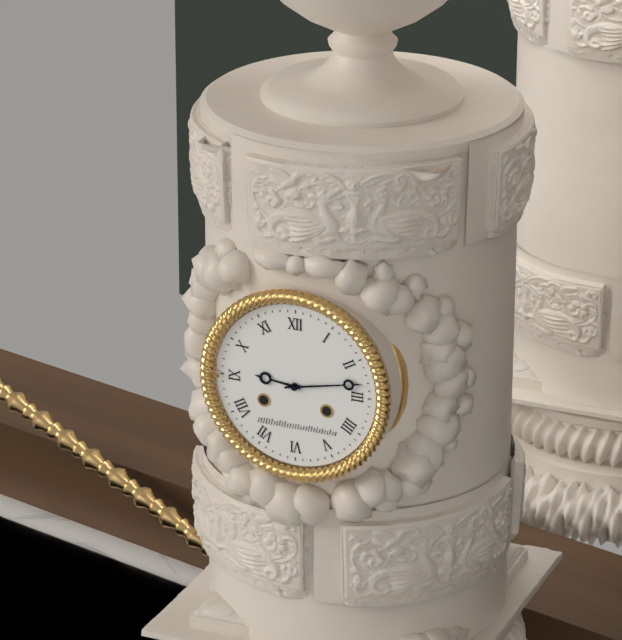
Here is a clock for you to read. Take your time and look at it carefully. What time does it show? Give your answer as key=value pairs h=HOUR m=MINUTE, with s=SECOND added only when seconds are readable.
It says h=9 m=13
